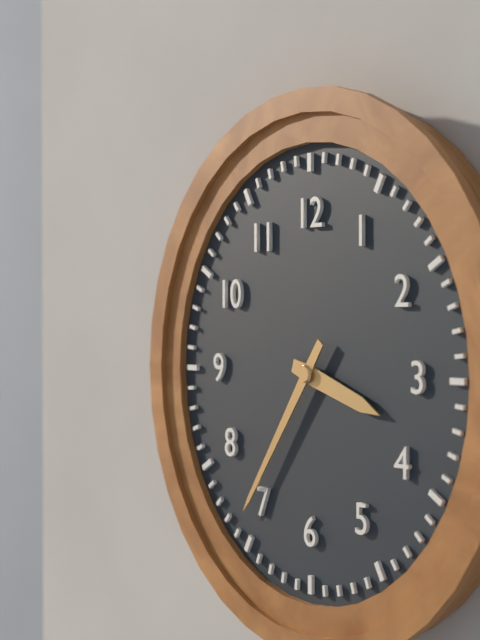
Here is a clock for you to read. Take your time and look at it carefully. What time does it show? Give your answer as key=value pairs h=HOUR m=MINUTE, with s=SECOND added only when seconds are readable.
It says h=3 m=36
